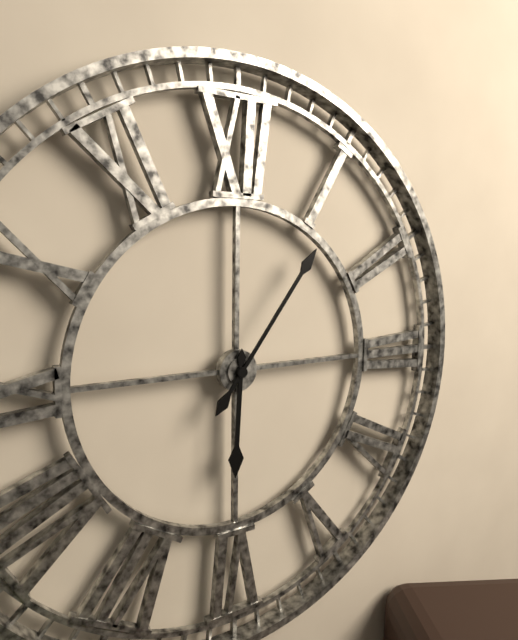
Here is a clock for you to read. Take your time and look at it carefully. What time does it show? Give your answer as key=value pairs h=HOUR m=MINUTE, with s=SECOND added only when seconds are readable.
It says h=6 m=6
